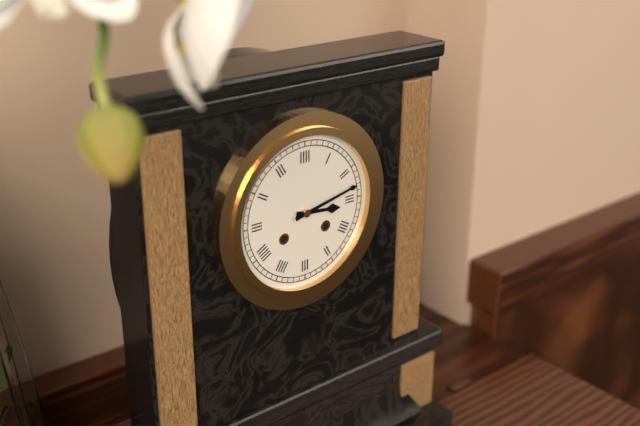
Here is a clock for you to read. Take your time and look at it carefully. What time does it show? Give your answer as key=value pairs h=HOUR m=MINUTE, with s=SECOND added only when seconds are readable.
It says h=3 m=13
